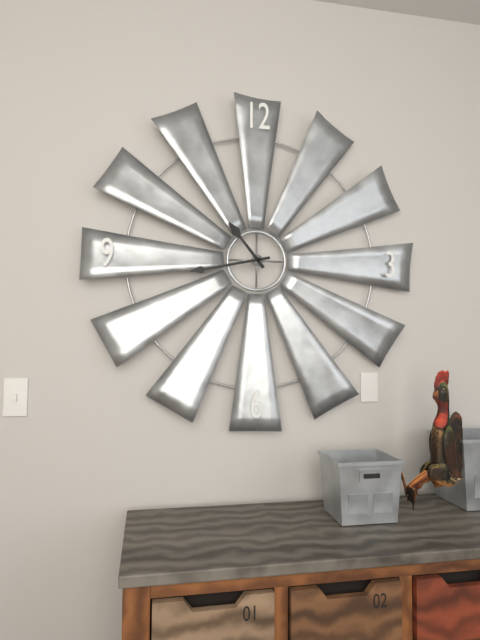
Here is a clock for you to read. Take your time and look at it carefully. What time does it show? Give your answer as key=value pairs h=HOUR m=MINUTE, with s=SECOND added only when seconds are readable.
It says h=10 m=43
